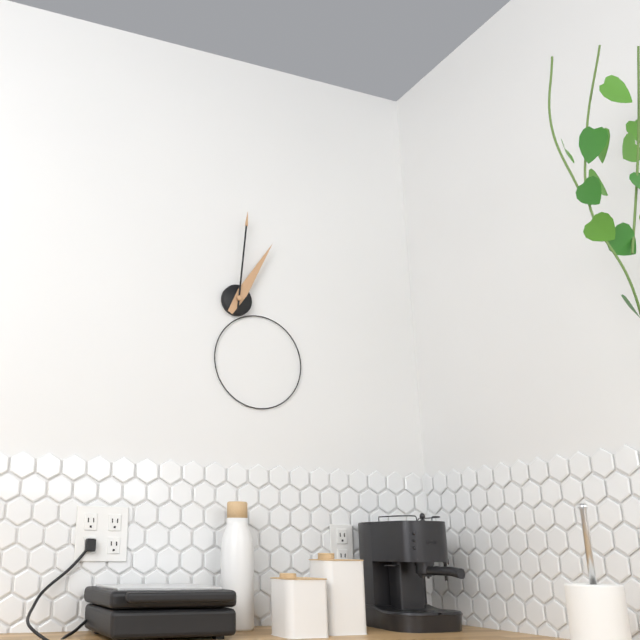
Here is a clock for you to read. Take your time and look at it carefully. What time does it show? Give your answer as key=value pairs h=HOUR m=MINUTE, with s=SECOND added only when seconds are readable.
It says h=1 m=1
